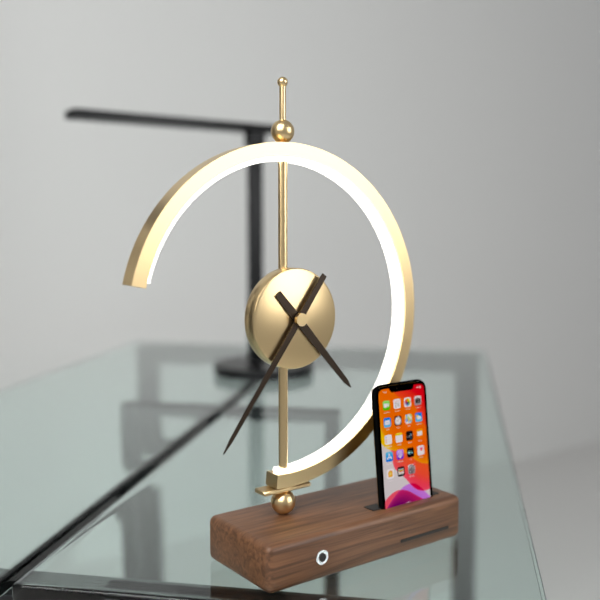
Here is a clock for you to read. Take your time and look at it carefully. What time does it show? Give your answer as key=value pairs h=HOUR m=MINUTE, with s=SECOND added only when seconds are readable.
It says h=4 m=36
